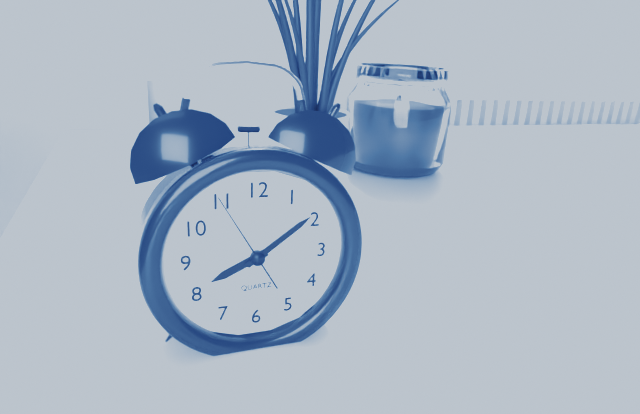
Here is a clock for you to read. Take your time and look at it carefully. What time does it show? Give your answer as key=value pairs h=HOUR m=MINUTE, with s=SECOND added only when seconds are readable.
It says h=8 m=9 s=55
